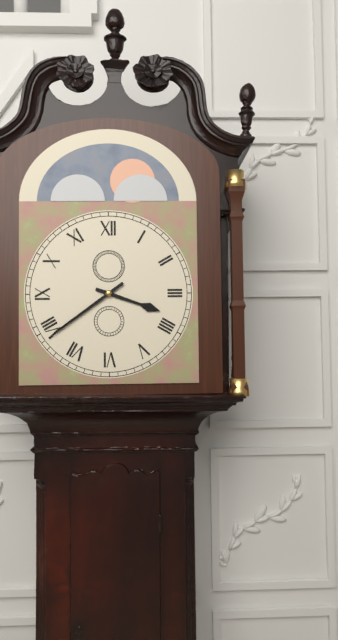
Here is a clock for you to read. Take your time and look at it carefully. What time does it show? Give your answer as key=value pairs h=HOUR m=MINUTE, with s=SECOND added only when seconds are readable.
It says h=3 m=39
